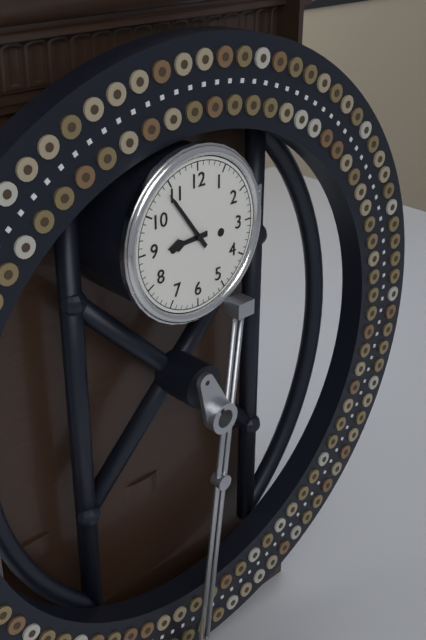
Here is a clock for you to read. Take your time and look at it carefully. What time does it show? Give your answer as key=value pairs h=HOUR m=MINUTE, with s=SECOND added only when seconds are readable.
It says h=8 m=54
